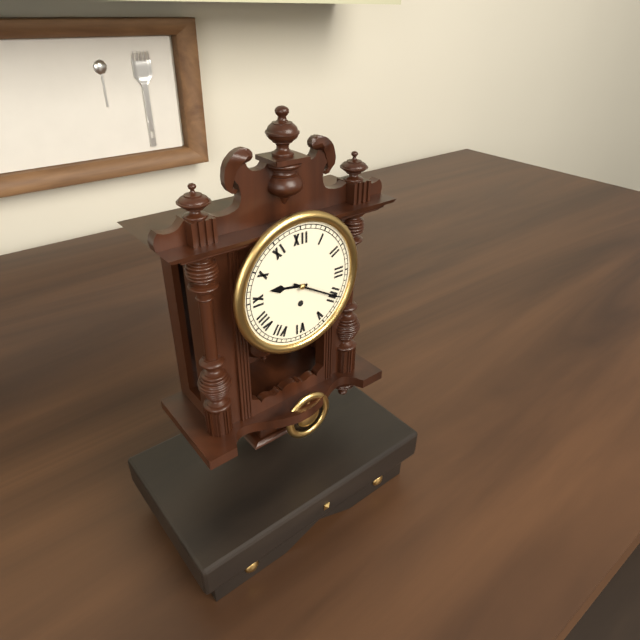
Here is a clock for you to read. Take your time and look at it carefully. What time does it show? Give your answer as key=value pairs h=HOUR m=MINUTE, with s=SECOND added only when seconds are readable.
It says h=9 m=20
